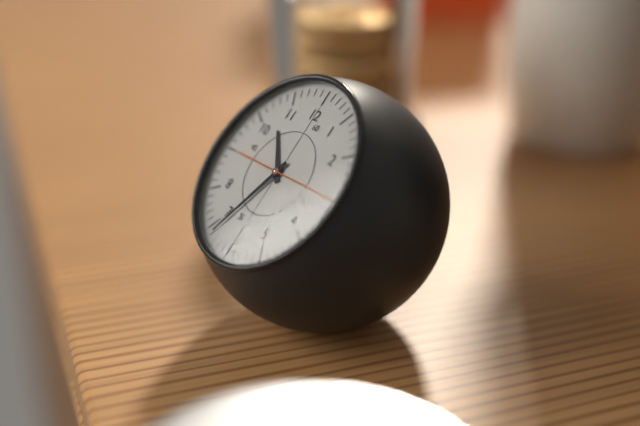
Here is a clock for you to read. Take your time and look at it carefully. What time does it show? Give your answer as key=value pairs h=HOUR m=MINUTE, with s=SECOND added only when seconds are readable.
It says h=10 m=34 s=15
